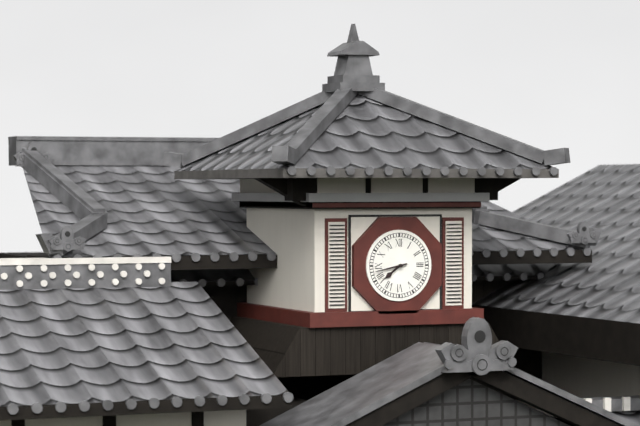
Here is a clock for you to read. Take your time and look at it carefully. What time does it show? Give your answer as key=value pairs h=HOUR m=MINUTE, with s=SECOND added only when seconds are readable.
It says h=7 m=43
